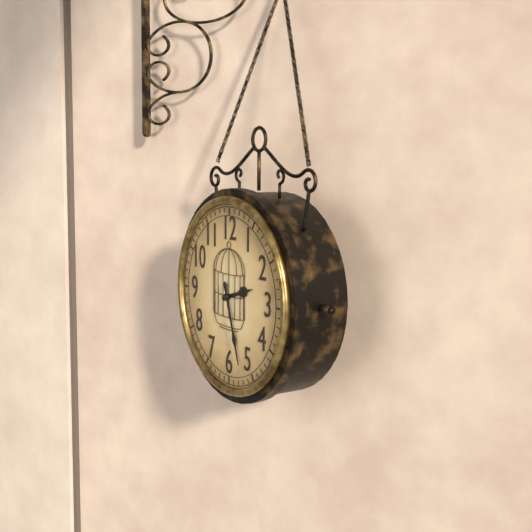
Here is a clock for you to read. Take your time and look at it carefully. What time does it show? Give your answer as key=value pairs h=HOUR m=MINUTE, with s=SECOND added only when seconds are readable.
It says h=2 m=27
